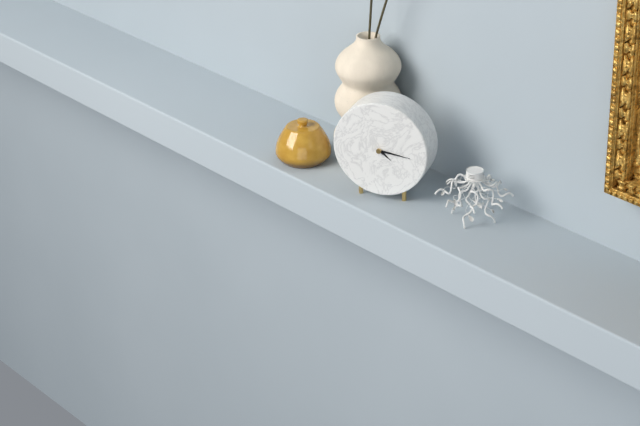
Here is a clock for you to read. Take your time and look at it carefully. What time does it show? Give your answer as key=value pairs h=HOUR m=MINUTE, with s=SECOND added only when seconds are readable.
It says h=4 m=16
